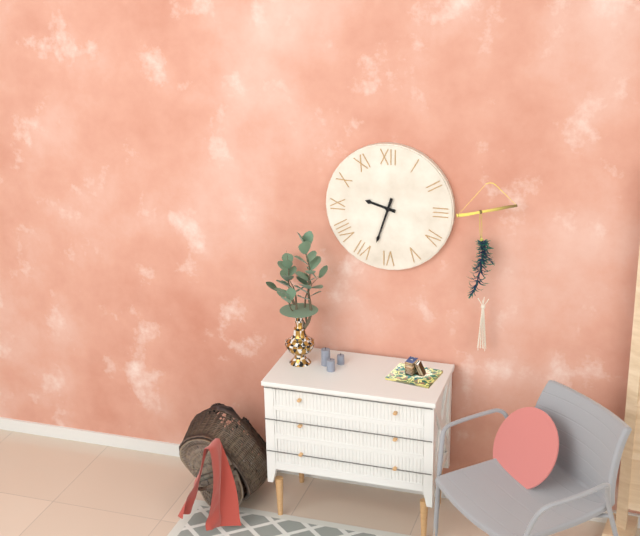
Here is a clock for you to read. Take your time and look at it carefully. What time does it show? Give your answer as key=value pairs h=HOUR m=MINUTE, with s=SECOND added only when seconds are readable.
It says h=9 m=33
